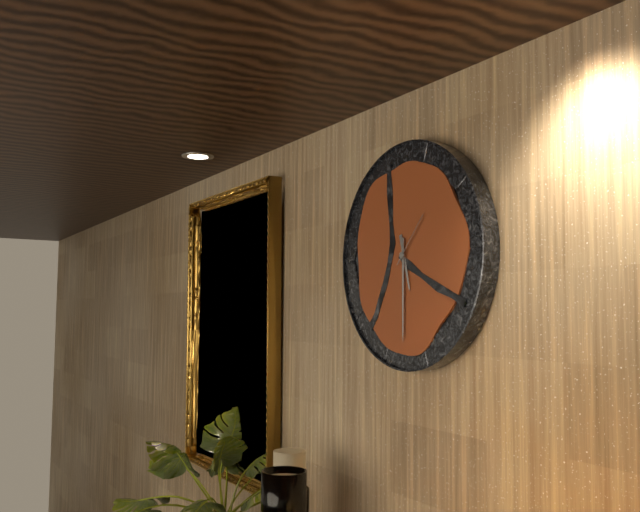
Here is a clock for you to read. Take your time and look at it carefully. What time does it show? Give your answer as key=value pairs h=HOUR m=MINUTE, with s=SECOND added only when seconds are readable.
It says h=5 m=30 s=7
